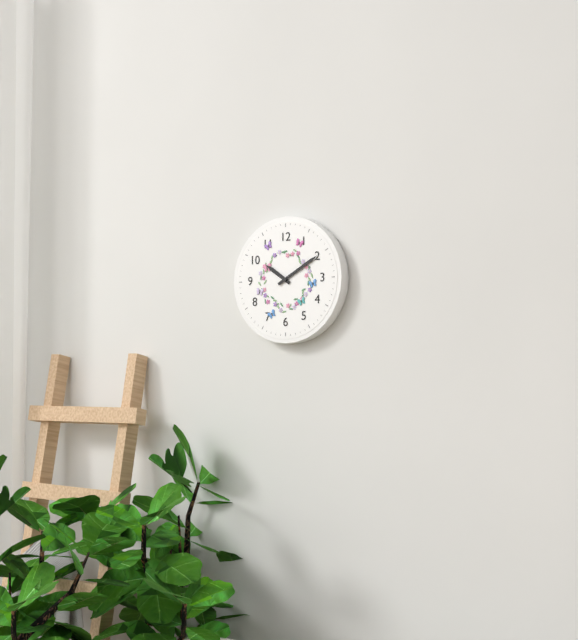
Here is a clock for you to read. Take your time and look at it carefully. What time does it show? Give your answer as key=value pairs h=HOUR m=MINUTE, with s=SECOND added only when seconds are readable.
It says h=10 m=10
